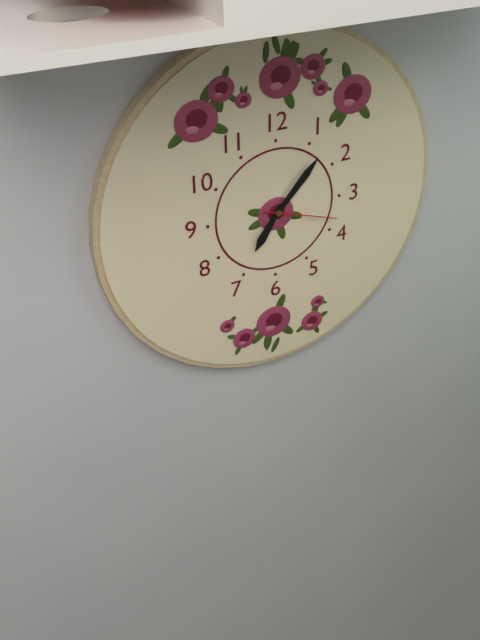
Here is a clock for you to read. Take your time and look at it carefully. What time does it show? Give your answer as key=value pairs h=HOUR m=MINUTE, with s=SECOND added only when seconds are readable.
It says h=7 m=7 s=18
